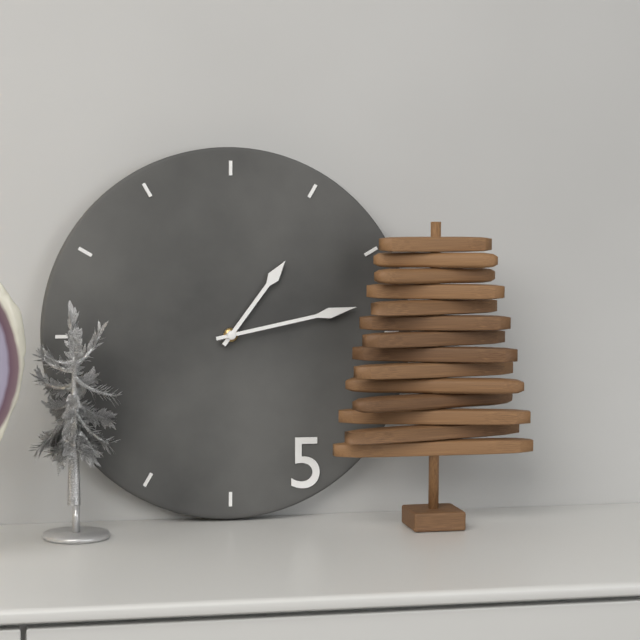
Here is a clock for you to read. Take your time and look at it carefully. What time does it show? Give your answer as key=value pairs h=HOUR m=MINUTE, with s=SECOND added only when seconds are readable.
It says h=1 m=13
